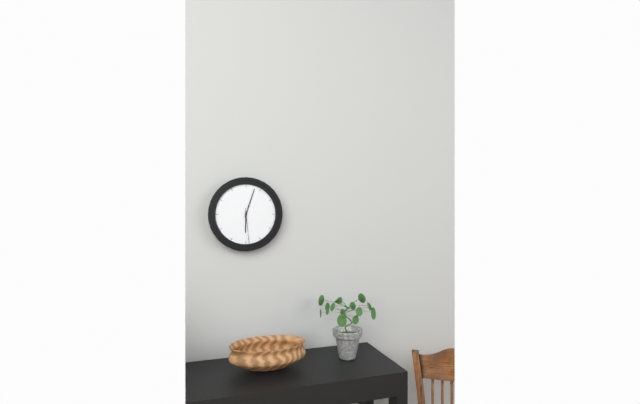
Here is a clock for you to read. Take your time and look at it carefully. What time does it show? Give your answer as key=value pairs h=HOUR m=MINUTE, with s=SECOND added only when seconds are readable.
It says h=6 m=3
